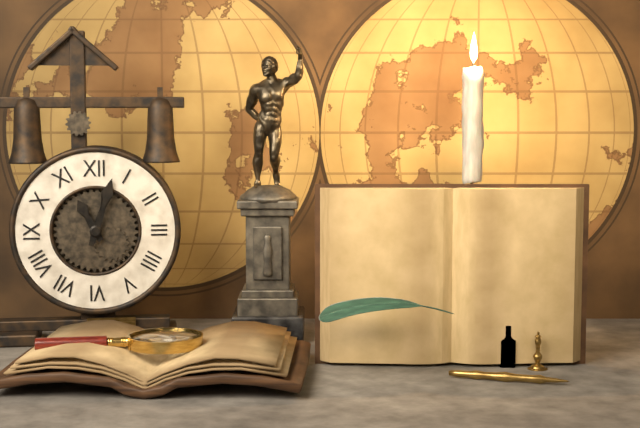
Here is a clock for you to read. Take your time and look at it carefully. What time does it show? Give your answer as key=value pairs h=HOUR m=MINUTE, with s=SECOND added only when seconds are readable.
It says h=11 m=3
